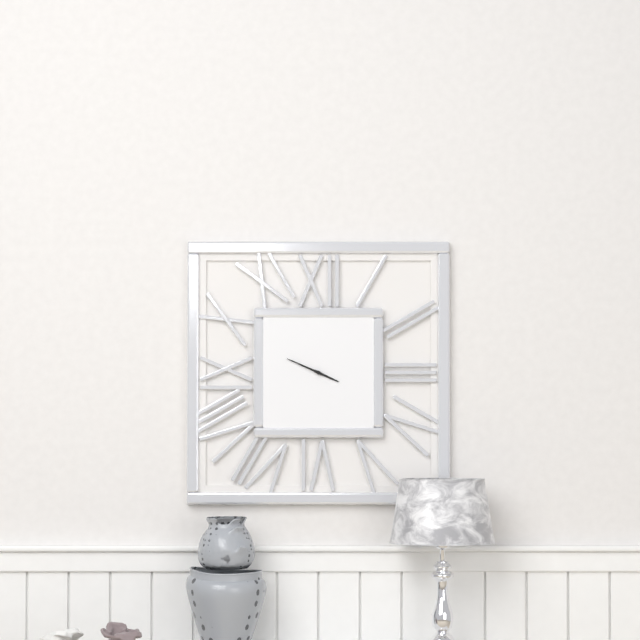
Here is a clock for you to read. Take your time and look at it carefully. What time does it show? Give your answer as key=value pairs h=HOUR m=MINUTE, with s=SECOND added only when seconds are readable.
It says h=3 m=49
